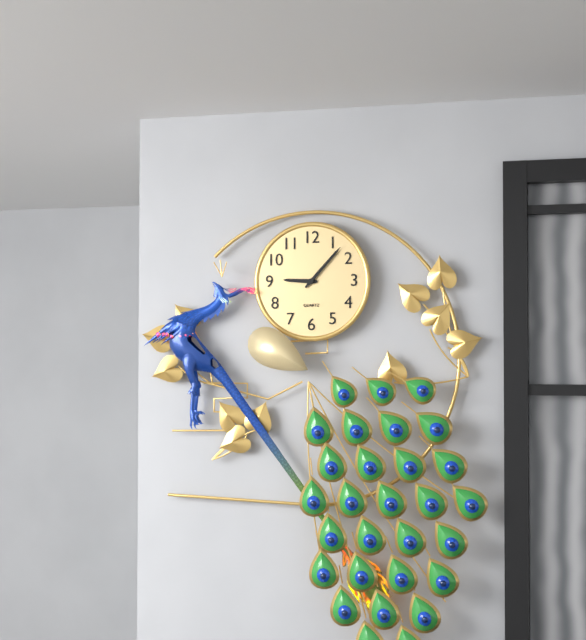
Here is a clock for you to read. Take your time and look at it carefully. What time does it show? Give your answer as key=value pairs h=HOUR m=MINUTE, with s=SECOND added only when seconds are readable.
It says h=9 m=7
